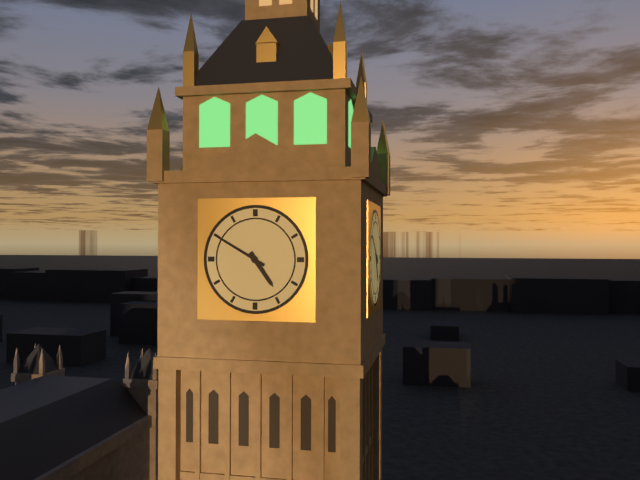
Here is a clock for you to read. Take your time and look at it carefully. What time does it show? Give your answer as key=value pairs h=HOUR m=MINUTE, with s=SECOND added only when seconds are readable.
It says h=4 m=50
